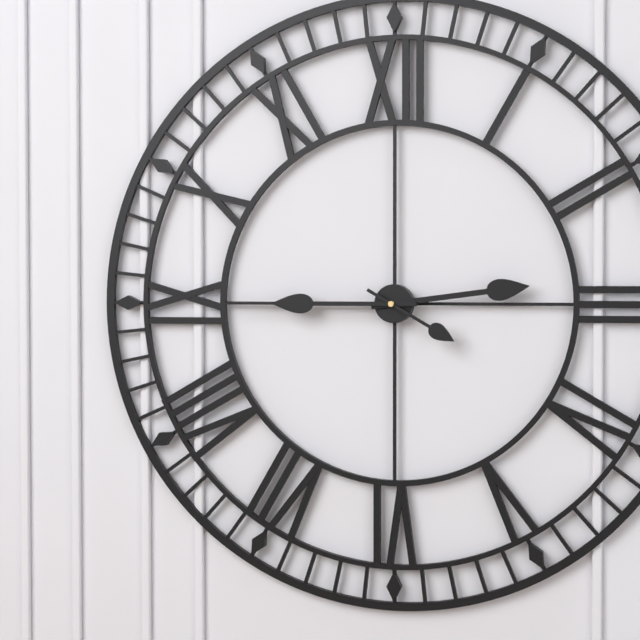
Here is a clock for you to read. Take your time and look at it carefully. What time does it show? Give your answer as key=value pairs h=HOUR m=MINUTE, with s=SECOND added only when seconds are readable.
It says h=2 m=45 s=20
